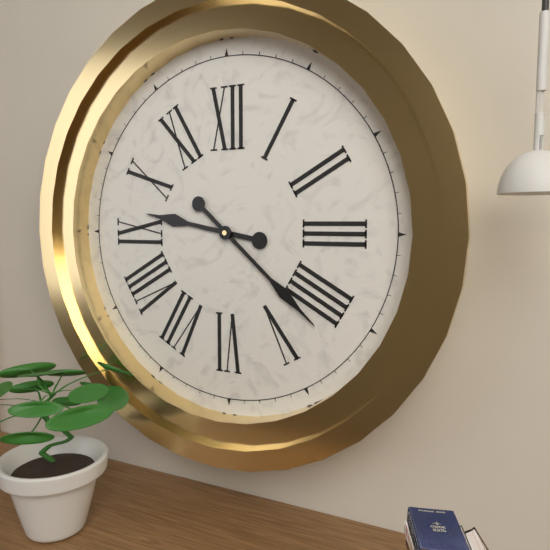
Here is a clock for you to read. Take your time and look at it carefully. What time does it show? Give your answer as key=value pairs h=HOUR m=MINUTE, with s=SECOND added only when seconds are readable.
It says h=9 m=22
